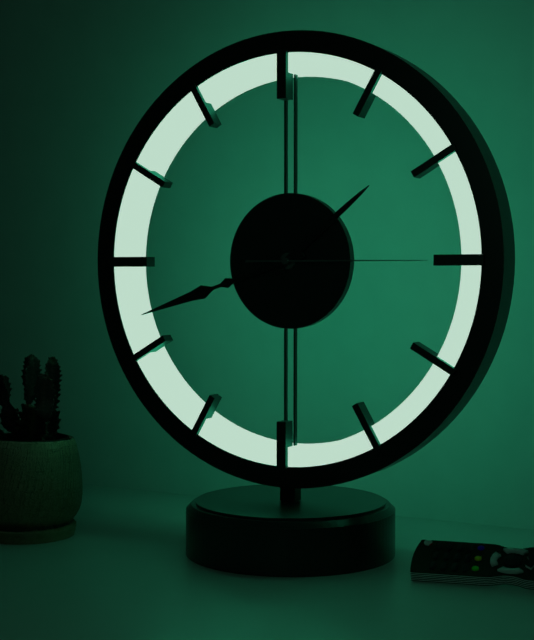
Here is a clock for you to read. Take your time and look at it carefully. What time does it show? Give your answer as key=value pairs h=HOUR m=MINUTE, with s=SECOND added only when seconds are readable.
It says h=1 m=42 s=15
